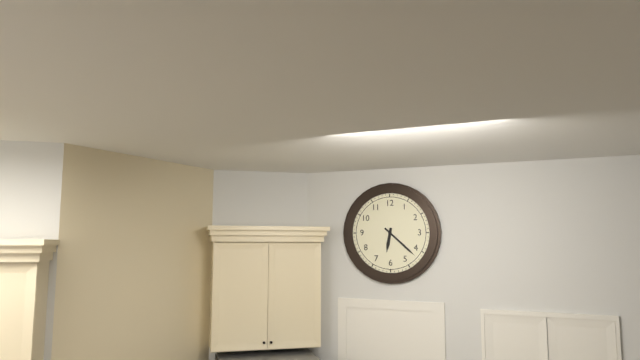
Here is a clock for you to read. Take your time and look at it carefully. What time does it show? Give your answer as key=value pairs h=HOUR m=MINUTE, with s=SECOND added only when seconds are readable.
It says h=6 m=22
